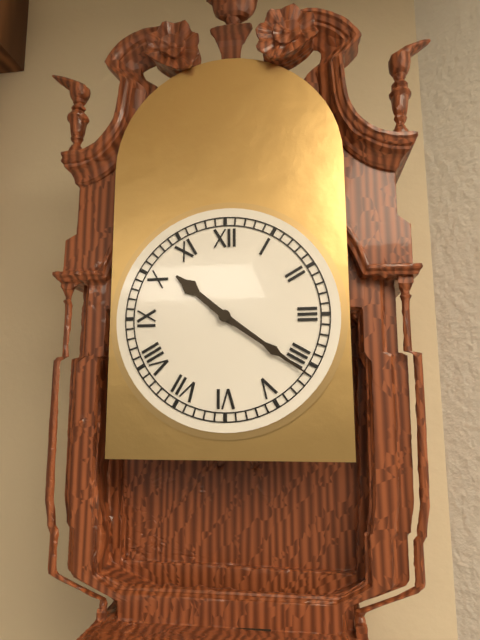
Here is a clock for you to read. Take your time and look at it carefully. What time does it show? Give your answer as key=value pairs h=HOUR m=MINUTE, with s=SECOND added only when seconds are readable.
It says h=10 m=21
